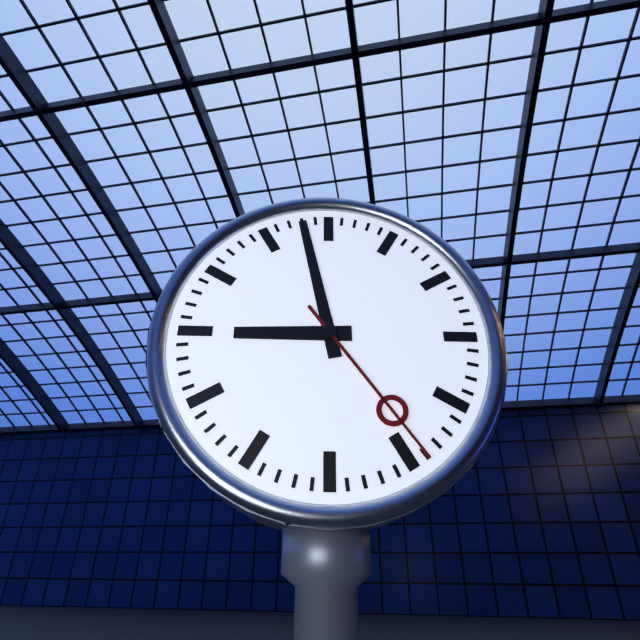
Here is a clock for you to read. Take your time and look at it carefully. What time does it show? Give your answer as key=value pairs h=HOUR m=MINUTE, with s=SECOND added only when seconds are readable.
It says h=8 m=58 s=24
